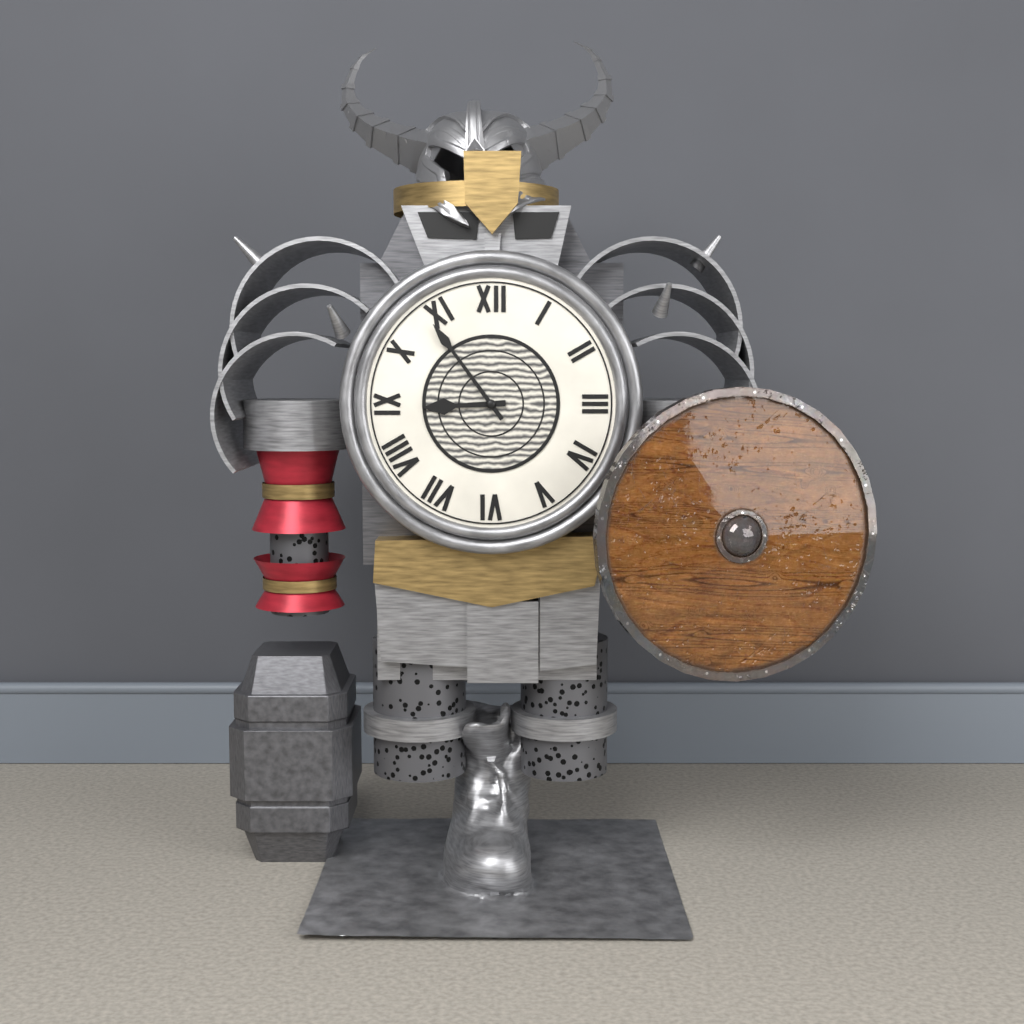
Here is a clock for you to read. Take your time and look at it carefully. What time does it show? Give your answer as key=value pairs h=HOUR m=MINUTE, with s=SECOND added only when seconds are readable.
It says h=8 m=54
